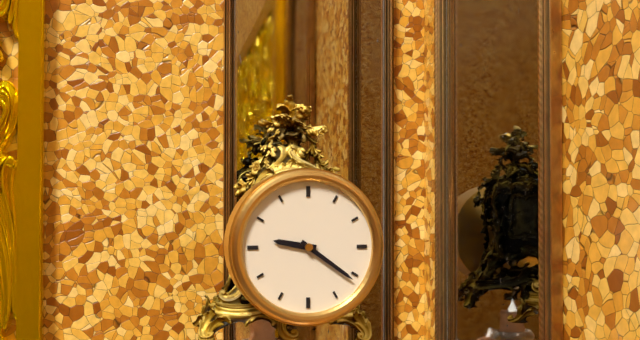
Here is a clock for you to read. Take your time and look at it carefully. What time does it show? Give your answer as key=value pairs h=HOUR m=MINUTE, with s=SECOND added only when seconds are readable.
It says h=9 m=21
